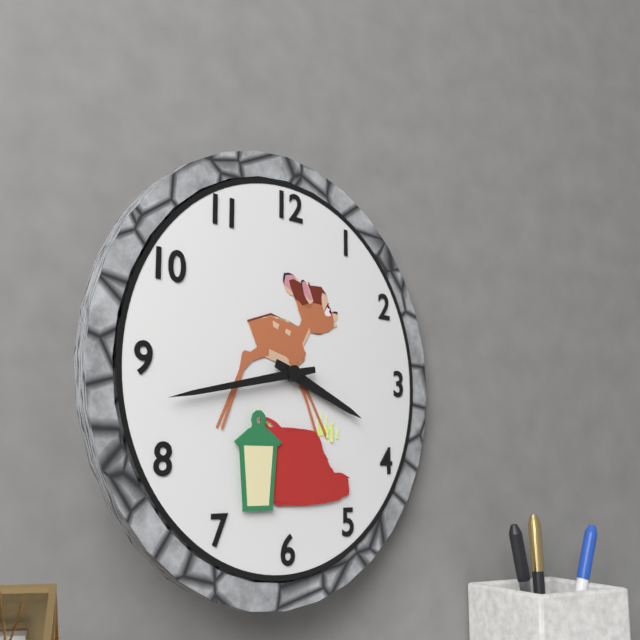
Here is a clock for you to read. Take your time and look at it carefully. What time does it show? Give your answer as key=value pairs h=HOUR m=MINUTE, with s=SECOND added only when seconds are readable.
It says h=3 m=43
